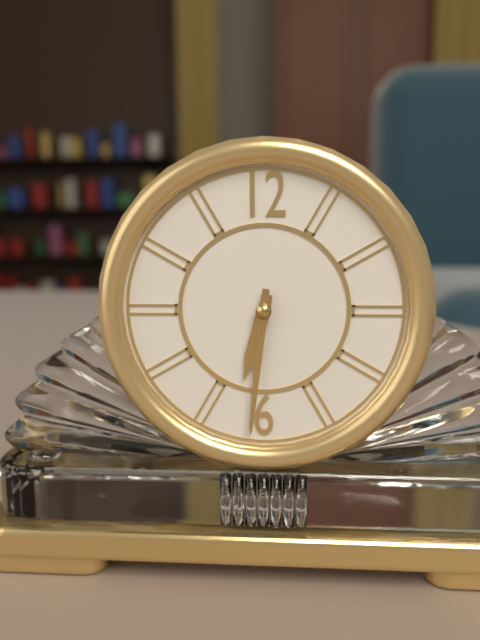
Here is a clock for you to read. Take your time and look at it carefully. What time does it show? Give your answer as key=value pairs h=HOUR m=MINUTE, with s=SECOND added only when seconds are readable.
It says h=6 m=31
